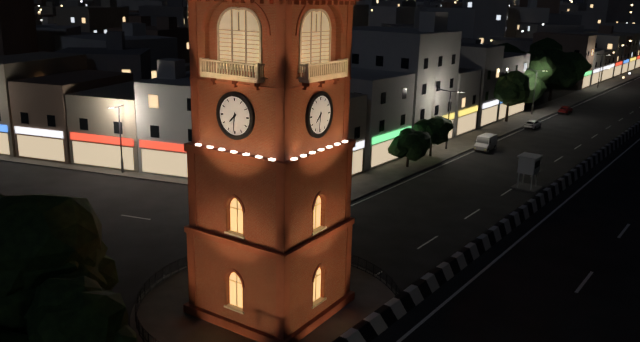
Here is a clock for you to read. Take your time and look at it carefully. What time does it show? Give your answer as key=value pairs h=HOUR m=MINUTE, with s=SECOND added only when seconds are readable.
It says h=7 m=31
